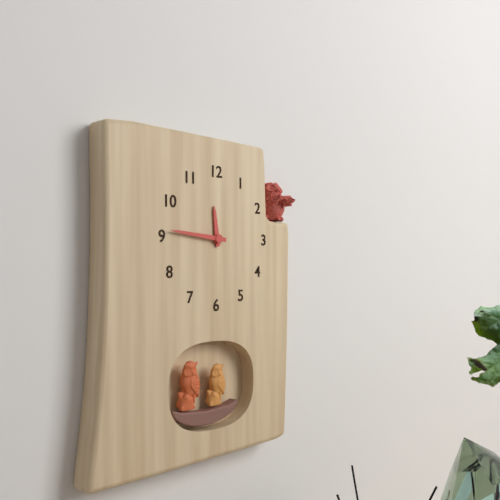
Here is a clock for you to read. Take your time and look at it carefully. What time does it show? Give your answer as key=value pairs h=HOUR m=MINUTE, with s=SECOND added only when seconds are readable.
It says h=11 m=46
